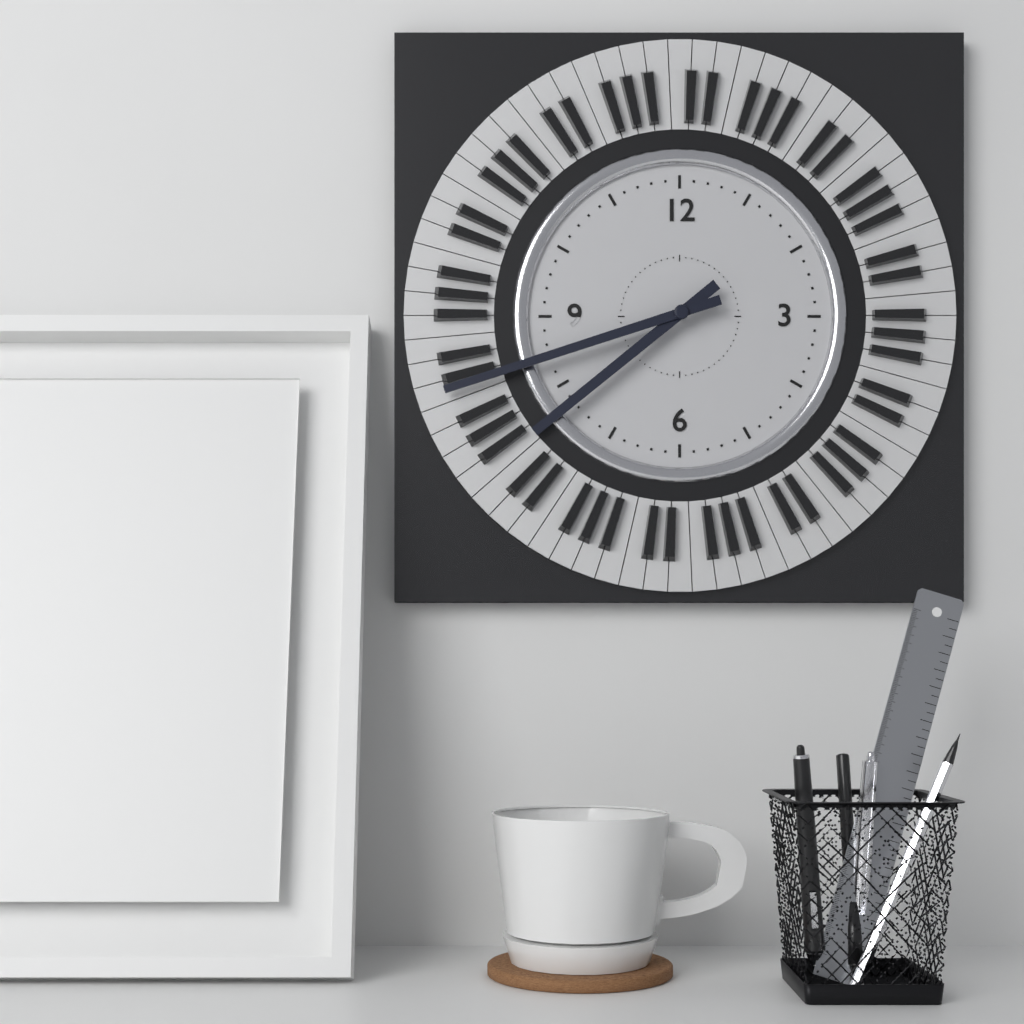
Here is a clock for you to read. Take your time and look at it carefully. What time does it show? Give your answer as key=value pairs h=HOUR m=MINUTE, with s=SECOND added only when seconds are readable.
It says h=7 m=42
